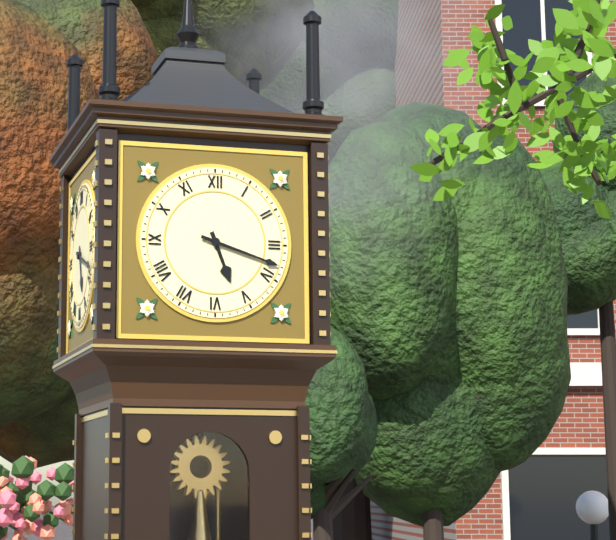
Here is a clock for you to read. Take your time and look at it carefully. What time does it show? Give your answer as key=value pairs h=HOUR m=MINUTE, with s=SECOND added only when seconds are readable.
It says h=5 m=18
